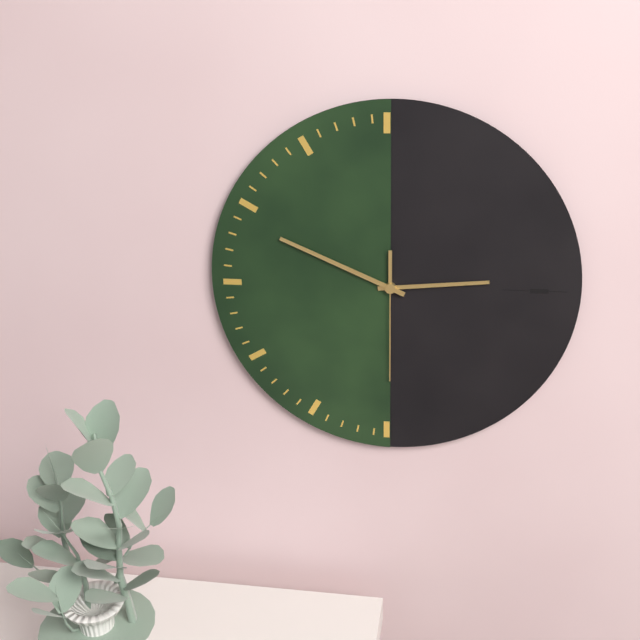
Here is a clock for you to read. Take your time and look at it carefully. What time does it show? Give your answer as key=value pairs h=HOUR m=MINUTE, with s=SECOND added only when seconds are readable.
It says h=2 m=49 s=30
